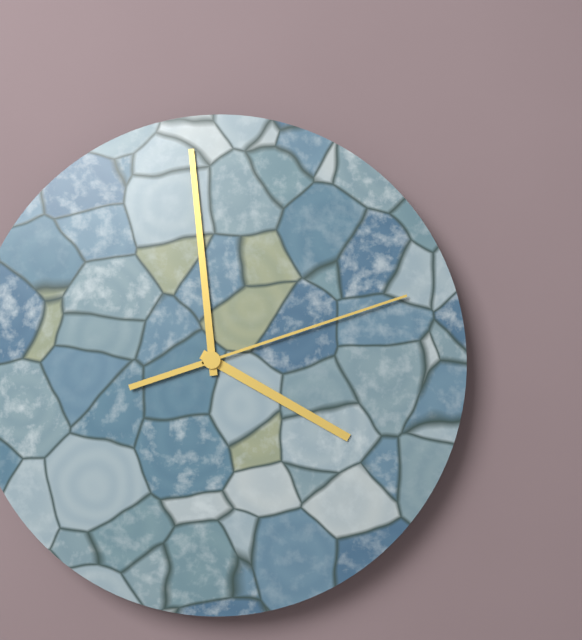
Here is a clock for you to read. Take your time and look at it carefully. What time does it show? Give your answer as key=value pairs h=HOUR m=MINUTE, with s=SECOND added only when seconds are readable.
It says h=3 m=59 s=12
